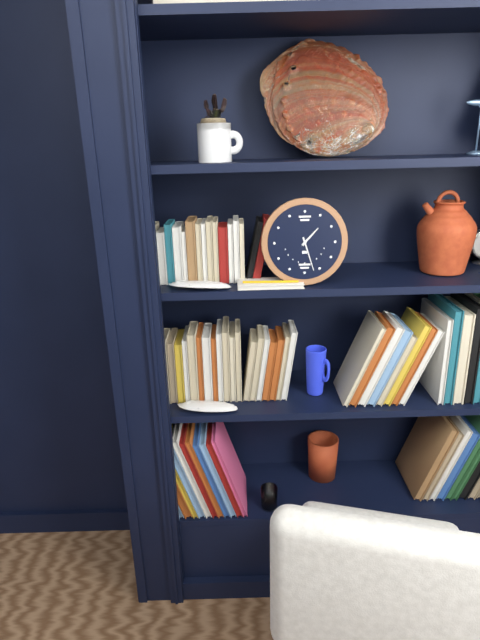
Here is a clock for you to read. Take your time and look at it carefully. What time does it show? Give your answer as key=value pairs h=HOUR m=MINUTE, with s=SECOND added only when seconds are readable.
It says h=1 m=27
